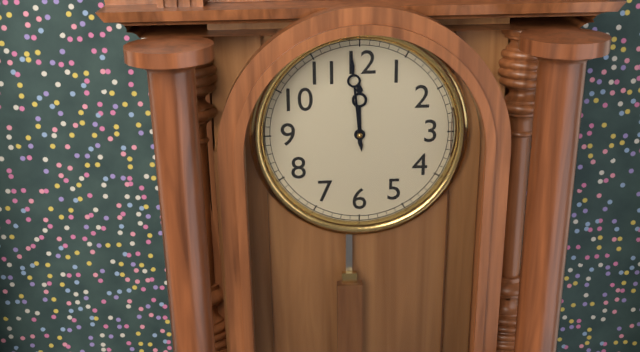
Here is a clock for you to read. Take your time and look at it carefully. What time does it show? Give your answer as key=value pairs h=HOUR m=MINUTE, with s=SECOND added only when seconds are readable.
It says h=11 m=59
